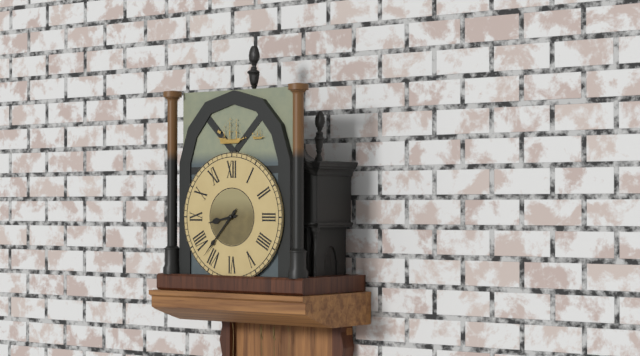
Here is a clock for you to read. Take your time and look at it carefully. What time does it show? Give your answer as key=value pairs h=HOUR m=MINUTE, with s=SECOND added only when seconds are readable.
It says h=8 m=37
